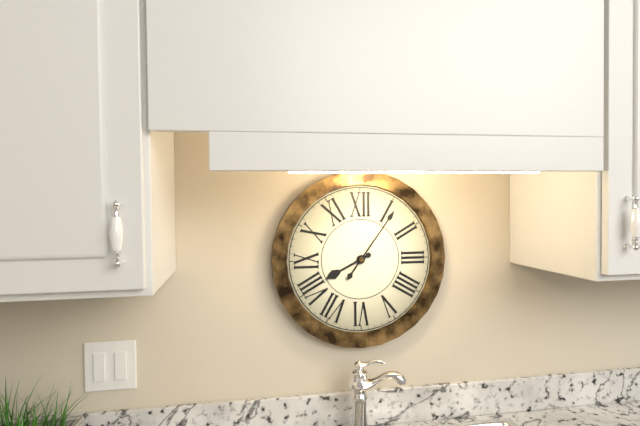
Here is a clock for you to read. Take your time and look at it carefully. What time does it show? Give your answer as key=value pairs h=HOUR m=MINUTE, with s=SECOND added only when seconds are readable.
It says h=8 m=6
